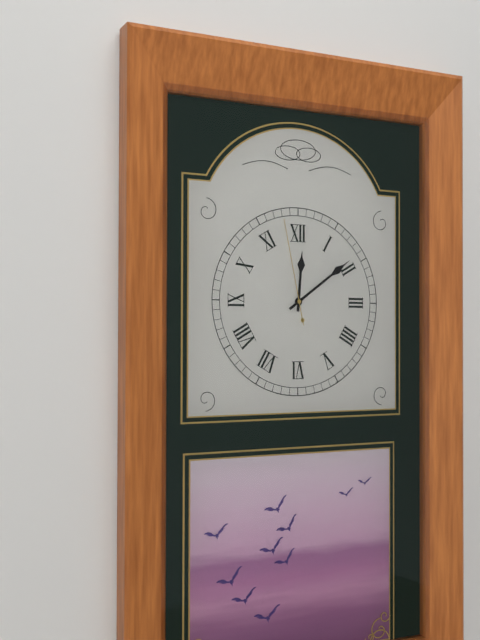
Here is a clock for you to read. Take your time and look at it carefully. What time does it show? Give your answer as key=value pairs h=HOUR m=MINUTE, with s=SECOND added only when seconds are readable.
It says h=12 m=9 s=58
